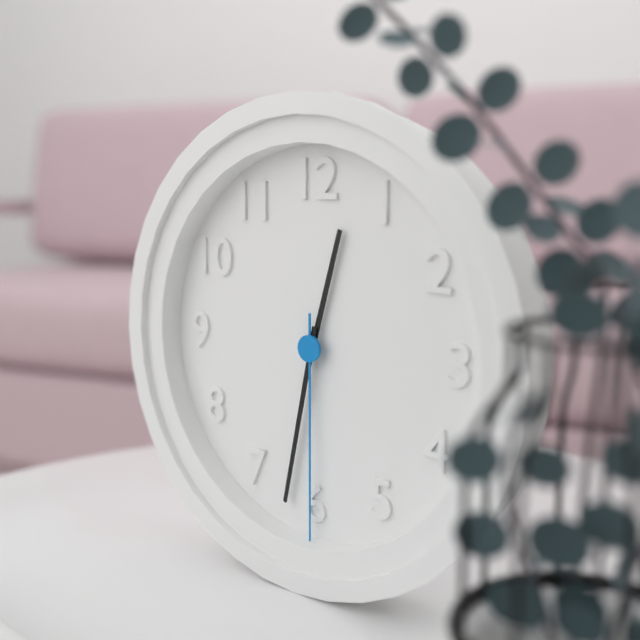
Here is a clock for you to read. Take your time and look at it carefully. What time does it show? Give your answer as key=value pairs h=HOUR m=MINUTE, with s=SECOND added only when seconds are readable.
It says h=12 m=32 s=30
